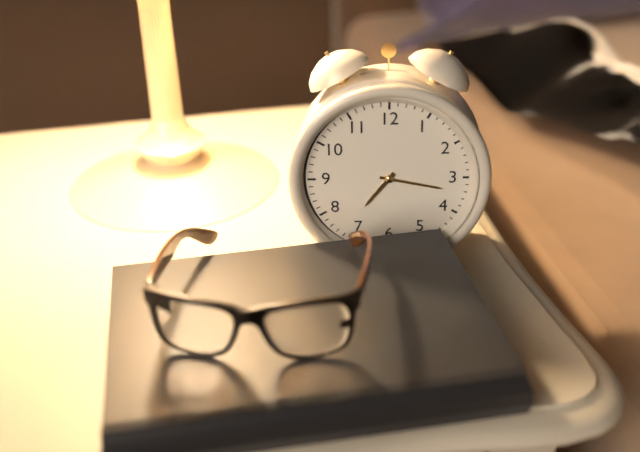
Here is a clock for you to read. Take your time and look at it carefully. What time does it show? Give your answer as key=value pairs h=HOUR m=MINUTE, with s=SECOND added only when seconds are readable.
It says h=7 m=17
